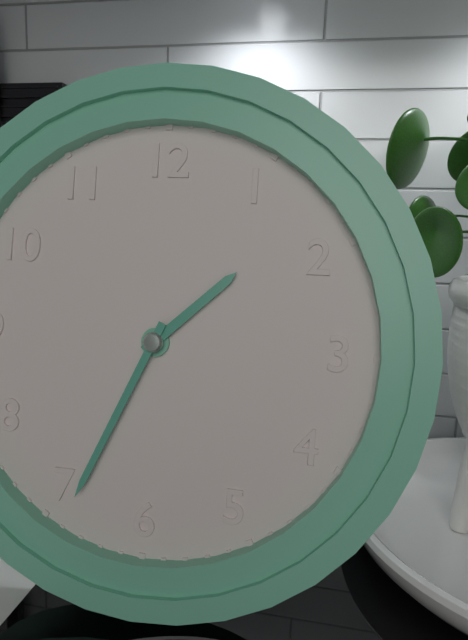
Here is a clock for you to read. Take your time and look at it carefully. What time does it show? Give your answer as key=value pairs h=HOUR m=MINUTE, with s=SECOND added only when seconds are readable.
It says h=1 m=34
